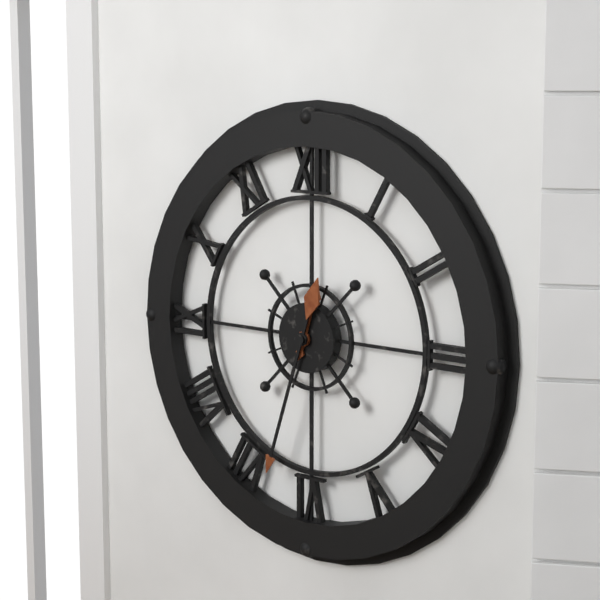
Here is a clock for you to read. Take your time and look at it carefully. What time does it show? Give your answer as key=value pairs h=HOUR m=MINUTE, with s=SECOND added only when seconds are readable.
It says h=12 m=33
